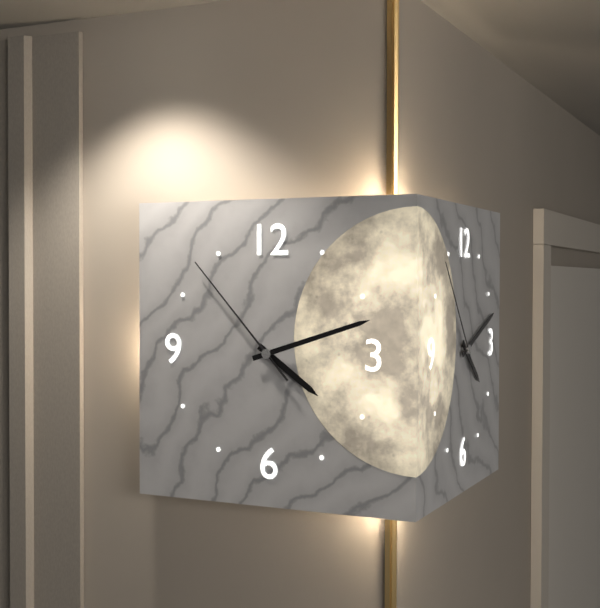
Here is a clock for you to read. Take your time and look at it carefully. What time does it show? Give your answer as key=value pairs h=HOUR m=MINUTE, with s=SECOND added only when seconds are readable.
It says h=4 m=12 s=53
